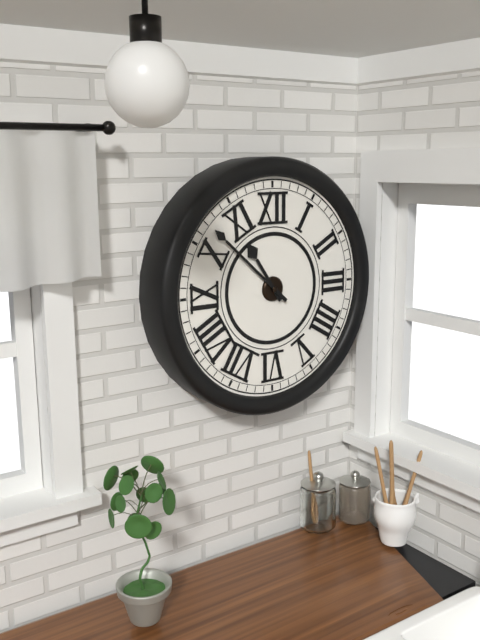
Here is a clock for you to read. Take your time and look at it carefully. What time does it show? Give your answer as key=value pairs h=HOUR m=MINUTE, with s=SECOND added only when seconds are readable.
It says h=10 m=52
